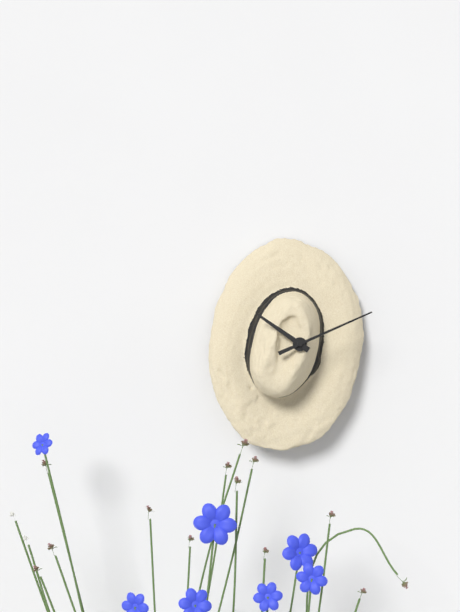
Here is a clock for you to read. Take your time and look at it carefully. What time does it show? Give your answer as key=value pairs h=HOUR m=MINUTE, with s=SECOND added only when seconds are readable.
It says h=10 m=11
